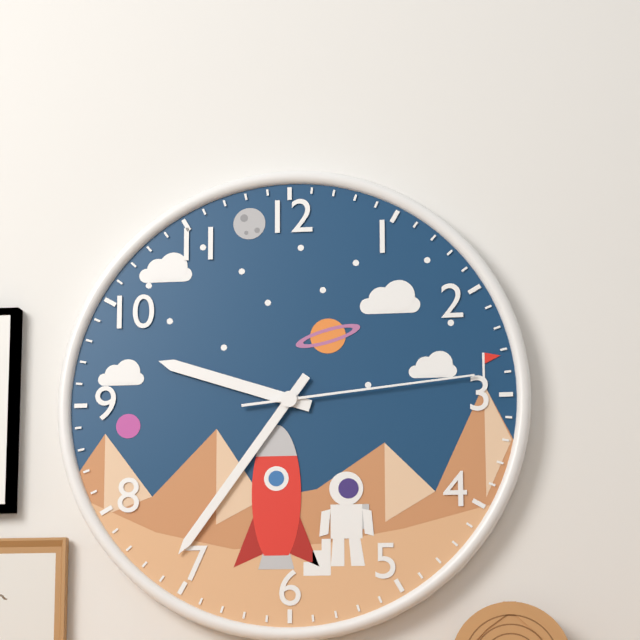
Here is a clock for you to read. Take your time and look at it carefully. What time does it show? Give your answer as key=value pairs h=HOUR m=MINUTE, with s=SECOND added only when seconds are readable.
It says h=9 m=36 s=14
